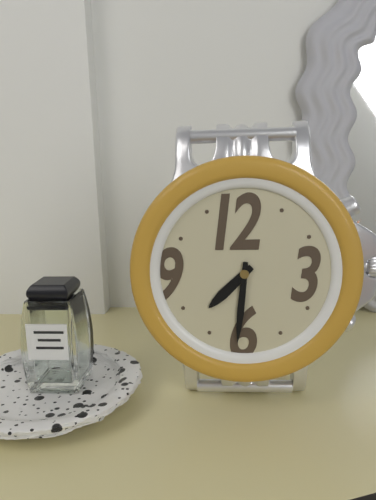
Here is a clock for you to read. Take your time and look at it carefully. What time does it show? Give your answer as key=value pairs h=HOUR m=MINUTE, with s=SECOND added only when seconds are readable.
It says h=7 m=31
